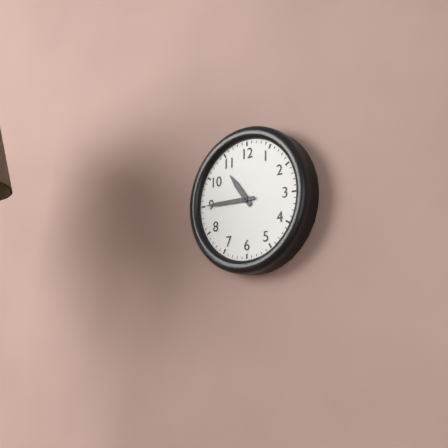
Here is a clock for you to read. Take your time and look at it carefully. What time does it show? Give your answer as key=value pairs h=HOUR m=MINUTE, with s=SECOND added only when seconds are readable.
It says h=10 m=45
